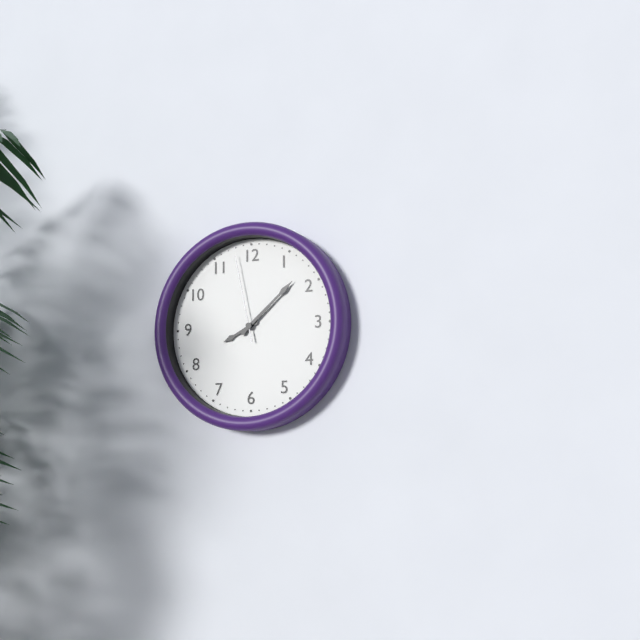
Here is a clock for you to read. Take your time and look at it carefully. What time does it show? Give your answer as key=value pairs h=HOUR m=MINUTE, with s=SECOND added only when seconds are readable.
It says h=8 m=8 s=58
